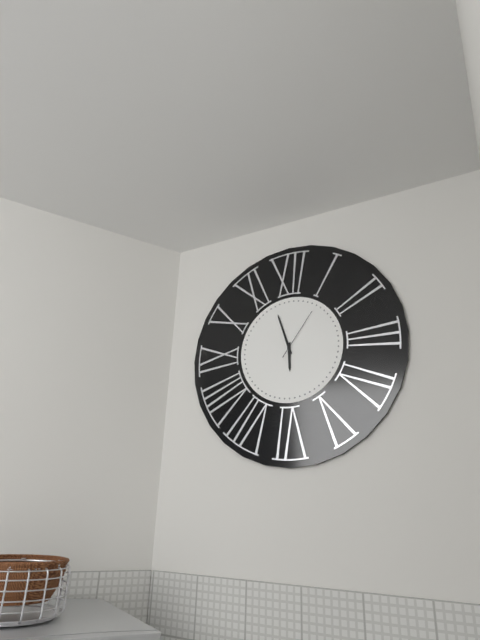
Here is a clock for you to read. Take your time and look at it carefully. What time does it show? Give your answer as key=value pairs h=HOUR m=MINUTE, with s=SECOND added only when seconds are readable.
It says h=5 m=57 s=6
